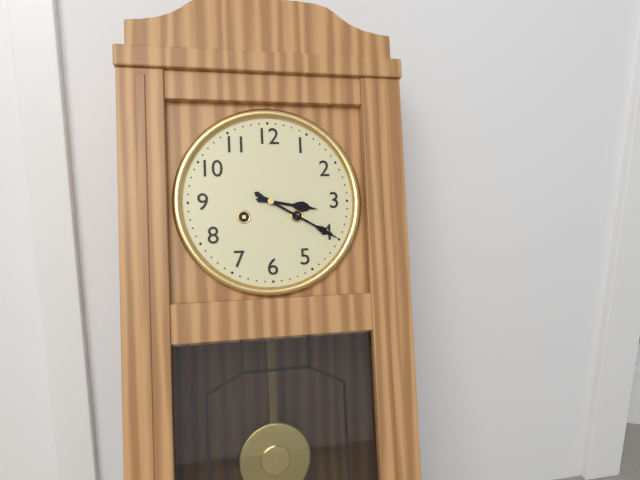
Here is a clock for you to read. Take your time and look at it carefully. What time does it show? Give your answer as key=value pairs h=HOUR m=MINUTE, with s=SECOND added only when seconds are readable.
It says h=3 m=20
